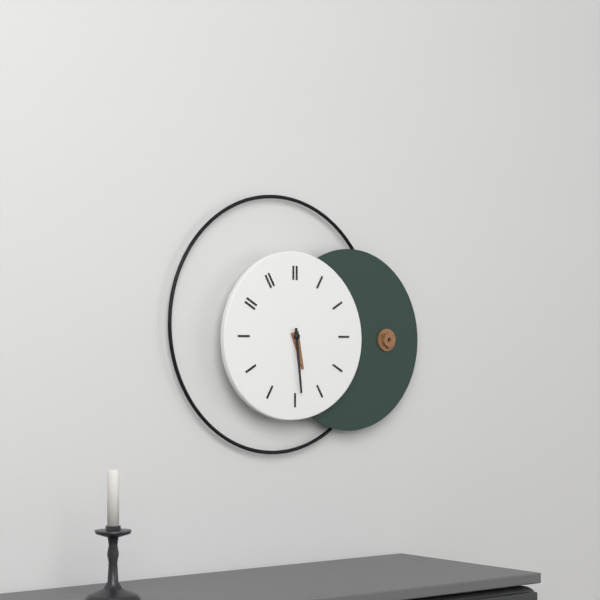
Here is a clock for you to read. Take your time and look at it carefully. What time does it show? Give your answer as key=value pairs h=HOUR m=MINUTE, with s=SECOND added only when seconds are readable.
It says h=5 m=29
